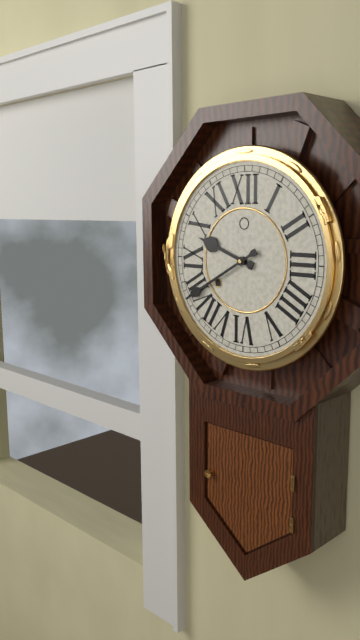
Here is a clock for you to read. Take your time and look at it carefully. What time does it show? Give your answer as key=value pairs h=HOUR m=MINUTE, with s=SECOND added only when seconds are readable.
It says h=9 m=40
